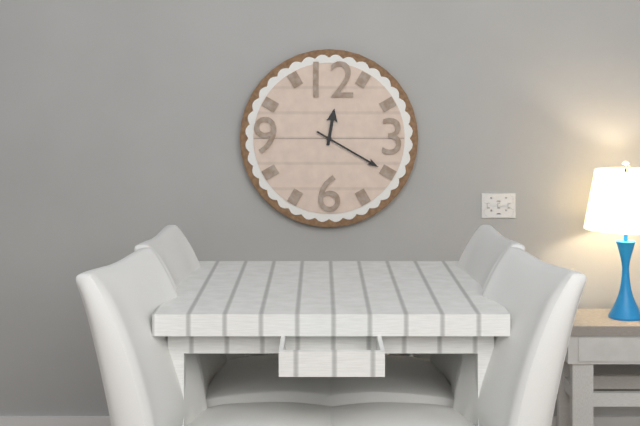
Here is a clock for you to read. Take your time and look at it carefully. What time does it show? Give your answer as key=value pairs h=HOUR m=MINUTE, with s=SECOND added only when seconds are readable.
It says h=12 m=20
